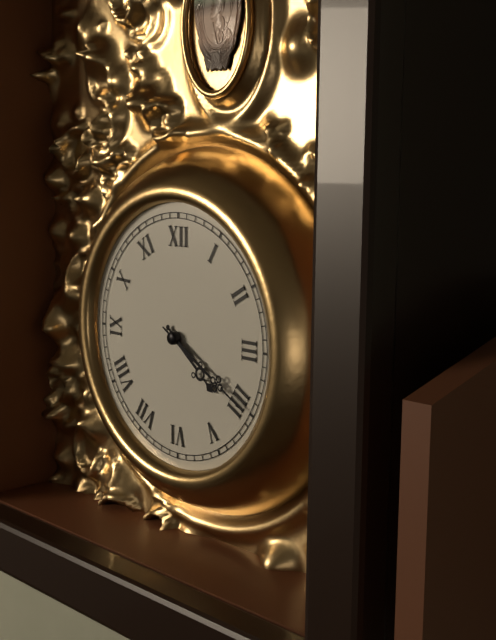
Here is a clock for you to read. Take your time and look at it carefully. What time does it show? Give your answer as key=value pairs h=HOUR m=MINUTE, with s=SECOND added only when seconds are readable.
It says h=4 m=20
